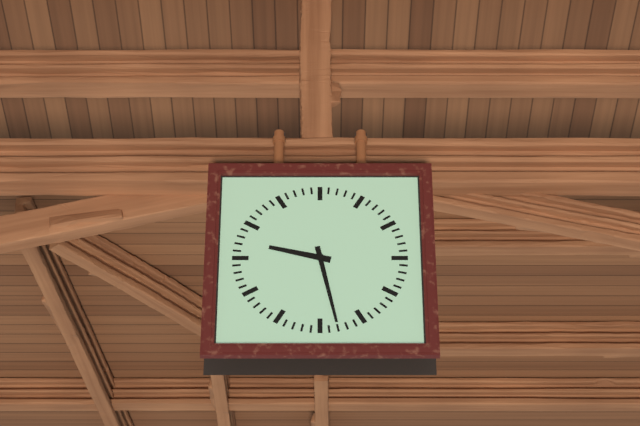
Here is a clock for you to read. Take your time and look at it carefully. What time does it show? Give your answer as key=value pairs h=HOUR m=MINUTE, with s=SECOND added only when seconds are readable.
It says h=9 m=28
